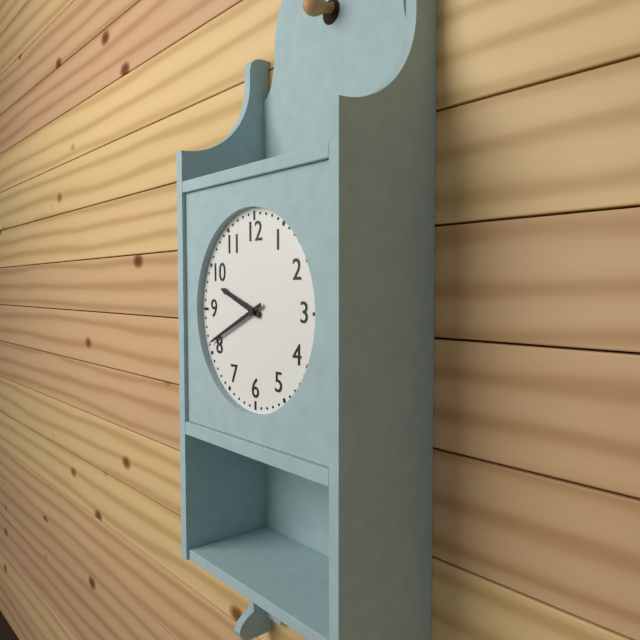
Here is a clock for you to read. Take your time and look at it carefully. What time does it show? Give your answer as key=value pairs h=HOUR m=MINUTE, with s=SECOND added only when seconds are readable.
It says h=9 m=41
